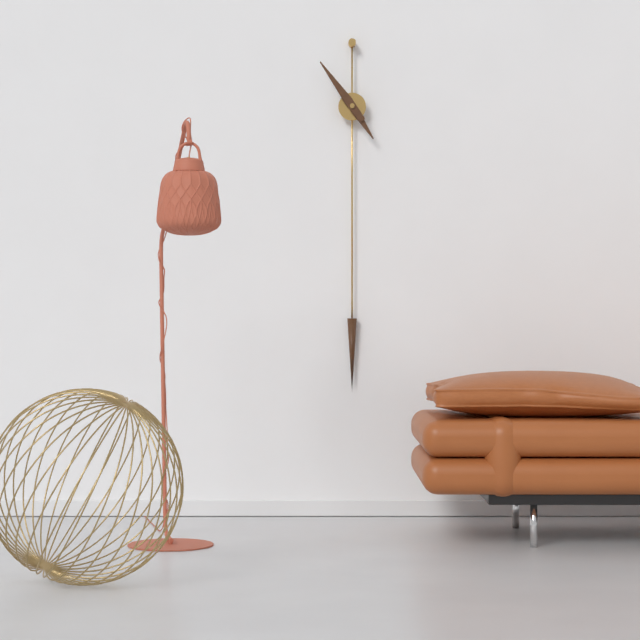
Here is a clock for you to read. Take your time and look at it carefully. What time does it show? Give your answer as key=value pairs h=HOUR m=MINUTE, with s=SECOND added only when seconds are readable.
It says h=4 m=54
